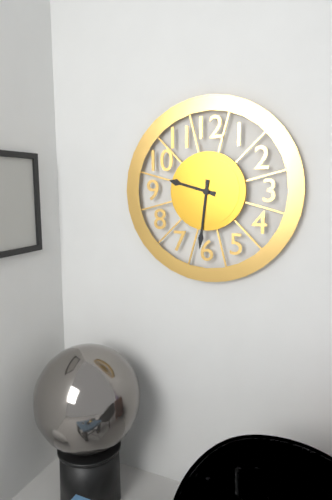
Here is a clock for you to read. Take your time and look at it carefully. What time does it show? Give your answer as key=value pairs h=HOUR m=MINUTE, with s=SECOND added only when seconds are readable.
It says h=9 m=31
